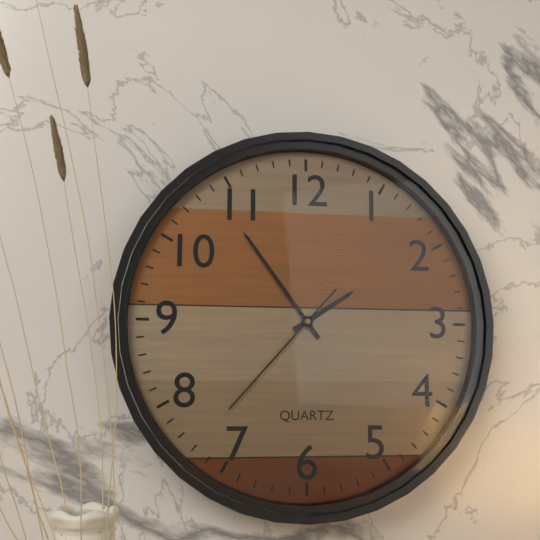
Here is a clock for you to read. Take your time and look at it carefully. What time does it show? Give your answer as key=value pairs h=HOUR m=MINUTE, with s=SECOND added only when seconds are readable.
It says h=1 m=54 s=37
